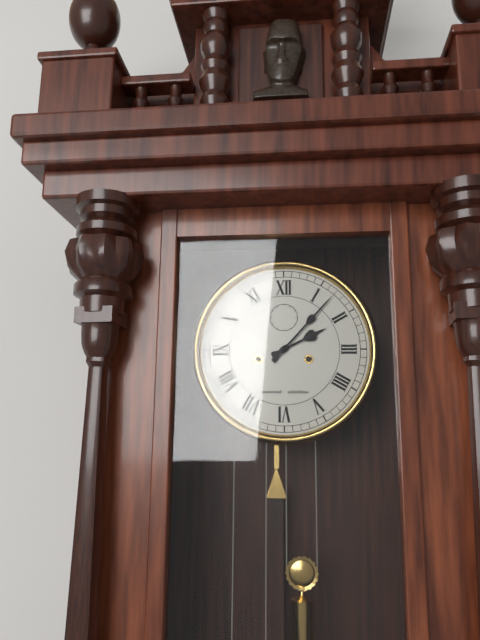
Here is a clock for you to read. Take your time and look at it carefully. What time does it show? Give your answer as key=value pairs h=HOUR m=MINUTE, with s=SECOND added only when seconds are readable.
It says h=2 m=7
